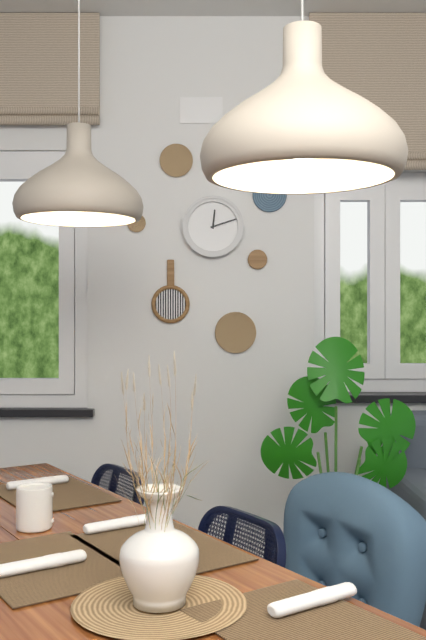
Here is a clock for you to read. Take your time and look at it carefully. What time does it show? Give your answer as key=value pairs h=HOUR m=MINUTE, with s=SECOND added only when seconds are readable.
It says h=12 m=12
